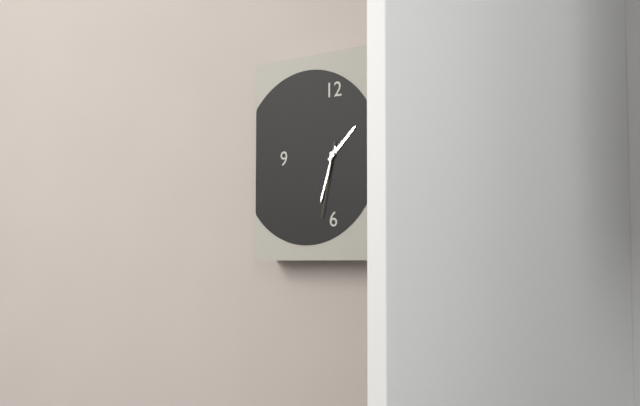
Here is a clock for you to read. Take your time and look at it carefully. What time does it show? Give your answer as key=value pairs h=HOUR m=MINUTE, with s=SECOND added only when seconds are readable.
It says h=1 m=33 s=32
